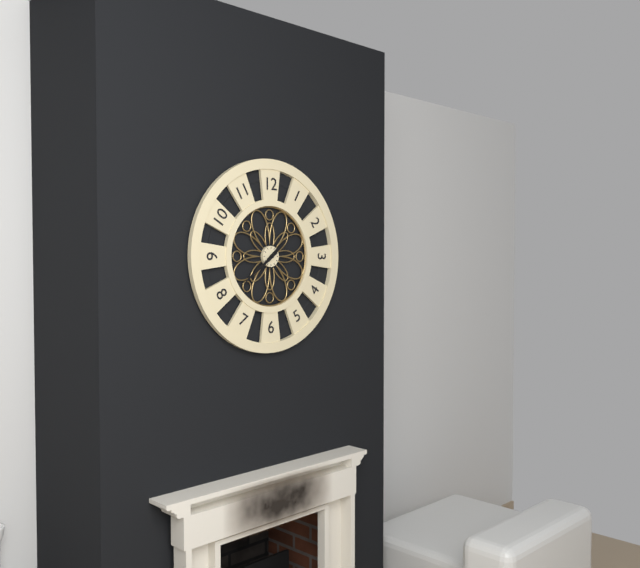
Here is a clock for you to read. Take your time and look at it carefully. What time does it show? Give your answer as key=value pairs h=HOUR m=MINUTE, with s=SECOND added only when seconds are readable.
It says h=1 m=39
